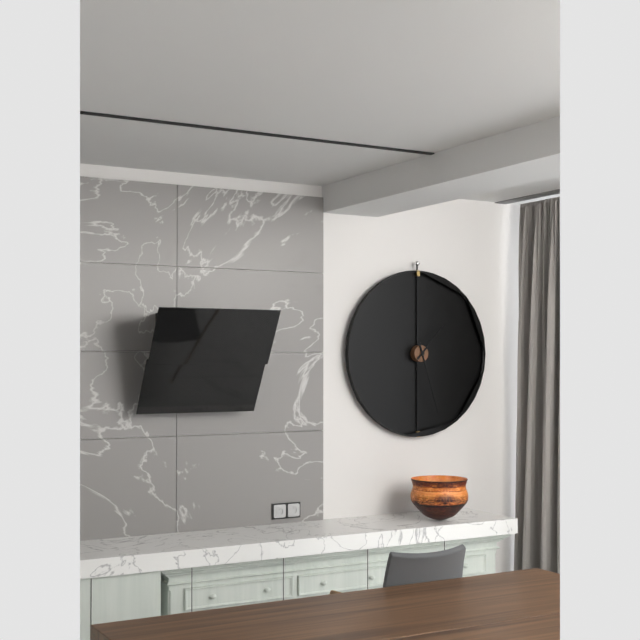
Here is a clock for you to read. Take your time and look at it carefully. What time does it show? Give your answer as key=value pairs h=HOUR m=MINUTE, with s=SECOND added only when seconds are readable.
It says h=1 m=27
